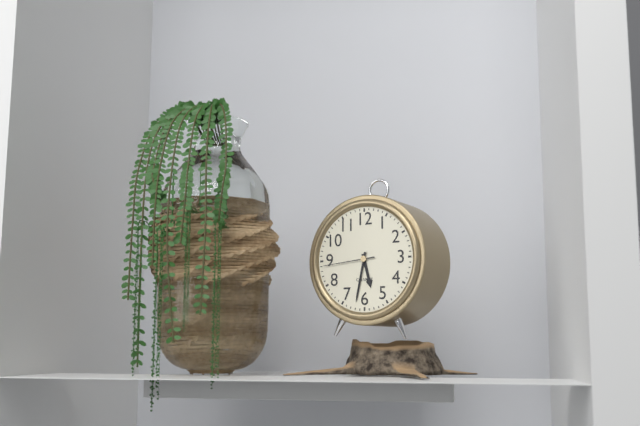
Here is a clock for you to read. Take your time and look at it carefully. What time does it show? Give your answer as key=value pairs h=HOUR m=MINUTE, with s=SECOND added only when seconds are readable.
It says h=5 m=32 s=44
